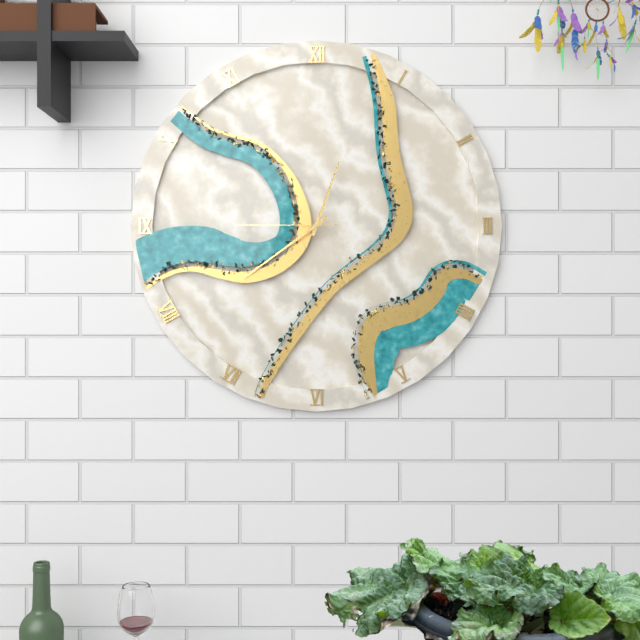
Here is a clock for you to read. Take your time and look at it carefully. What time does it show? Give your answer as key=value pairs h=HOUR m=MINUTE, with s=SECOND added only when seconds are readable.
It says h=12 m=39 s=45
